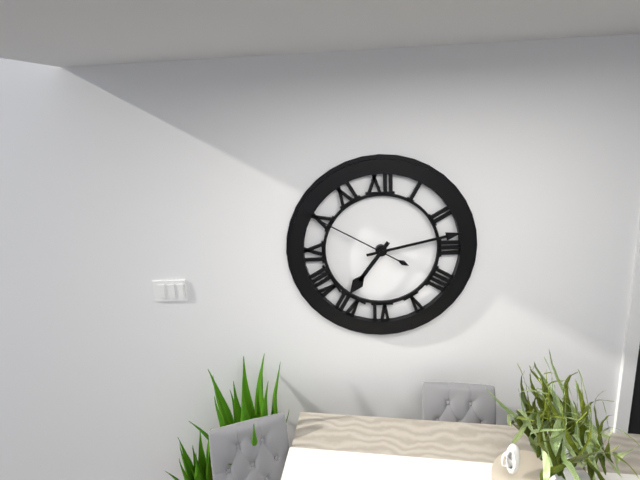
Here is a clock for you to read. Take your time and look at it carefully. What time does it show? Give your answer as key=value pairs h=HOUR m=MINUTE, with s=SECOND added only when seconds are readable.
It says h=7 m=13 s=50
